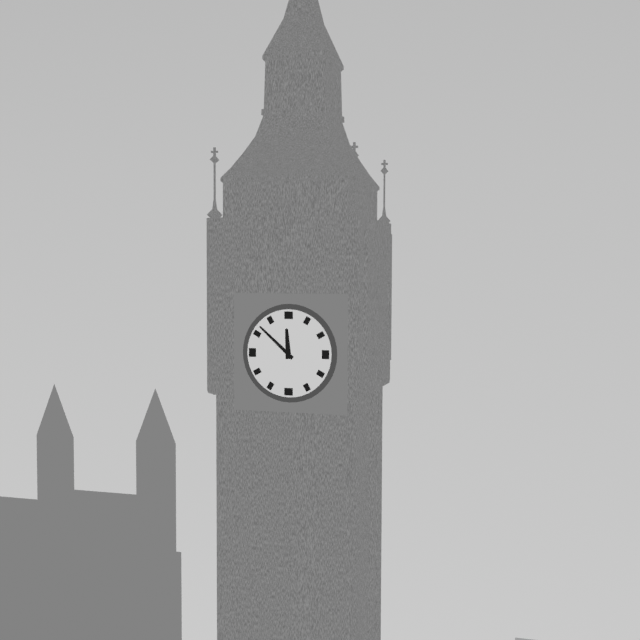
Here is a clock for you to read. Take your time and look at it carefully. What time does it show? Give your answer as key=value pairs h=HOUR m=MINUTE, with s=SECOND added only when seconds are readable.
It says h=11 m=52
